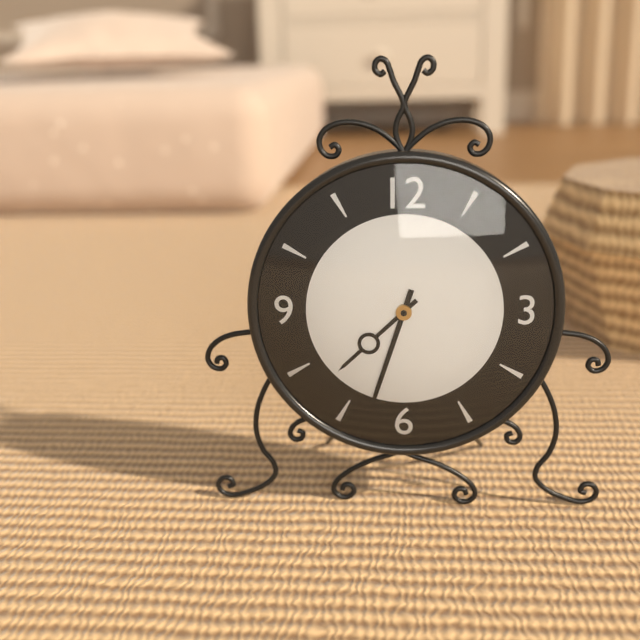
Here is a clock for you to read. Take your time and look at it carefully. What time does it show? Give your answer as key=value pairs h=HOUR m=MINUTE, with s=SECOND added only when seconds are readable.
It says h=7 m=33
